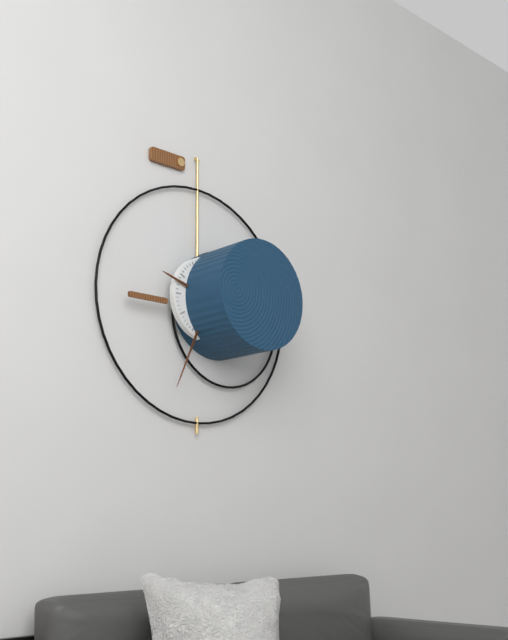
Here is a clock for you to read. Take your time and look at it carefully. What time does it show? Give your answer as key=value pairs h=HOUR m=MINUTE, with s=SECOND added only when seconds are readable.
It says h=9 m=34
